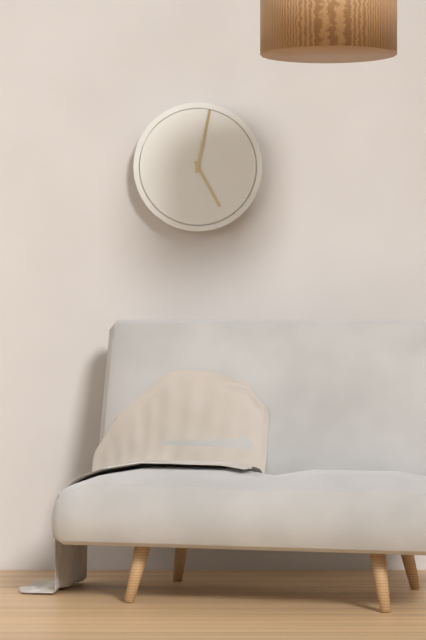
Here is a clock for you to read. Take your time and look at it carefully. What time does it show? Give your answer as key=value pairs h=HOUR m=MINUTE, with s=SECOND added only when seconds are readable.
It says h=5 m=2
